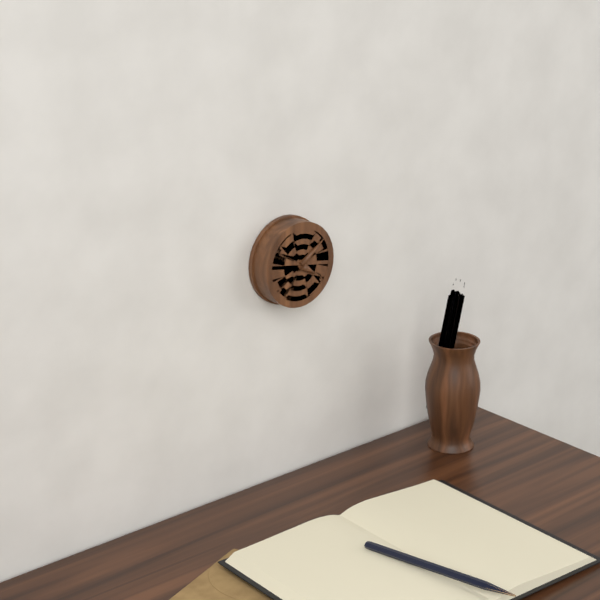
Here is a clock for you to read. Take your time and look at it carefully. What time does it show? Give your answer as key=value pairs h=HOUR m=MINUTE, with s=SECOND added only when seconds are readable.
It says h=4 m=9
